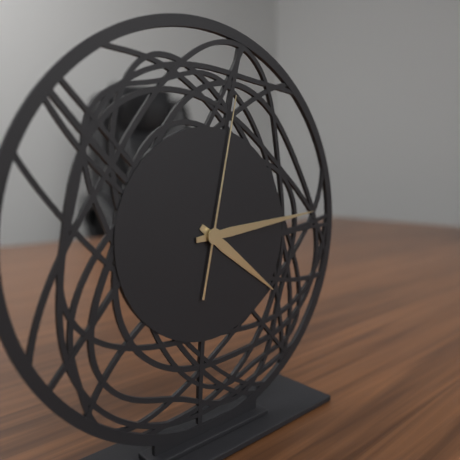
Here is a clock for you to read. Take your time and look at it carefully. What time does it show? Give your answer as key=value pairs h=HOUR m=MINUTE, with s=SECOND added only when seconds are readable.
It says h=4 m=14 s=2
